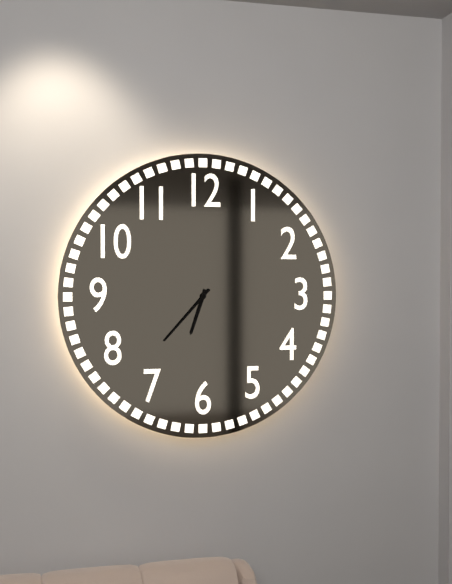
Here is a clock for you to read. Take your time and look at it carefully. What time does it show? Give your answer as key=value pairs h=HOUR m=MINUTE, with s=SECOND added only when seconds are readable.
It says h=6 m=37
